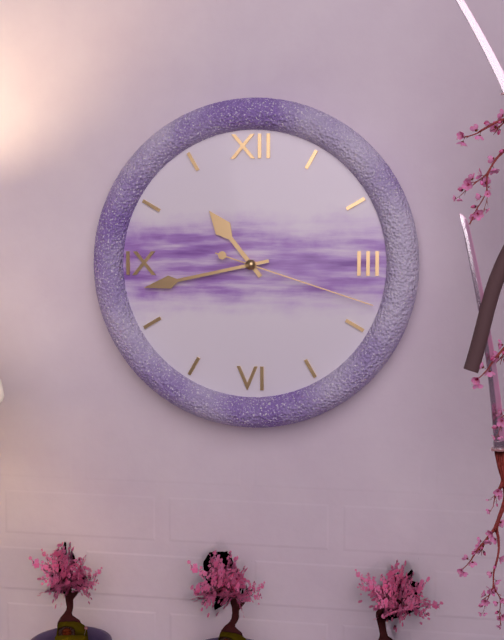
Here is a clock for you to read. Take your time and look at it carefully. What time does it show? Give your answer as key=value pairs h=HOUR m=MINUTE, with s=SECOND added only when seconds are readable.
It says h=10 m=43 s=18
